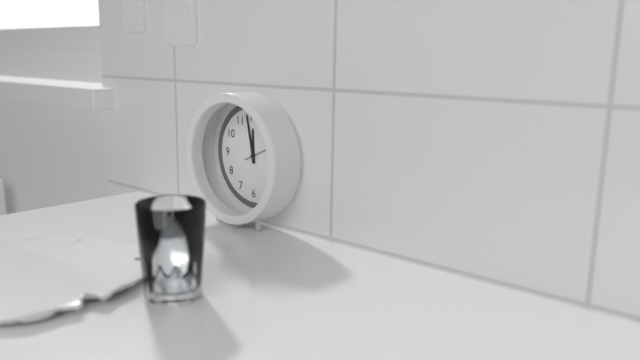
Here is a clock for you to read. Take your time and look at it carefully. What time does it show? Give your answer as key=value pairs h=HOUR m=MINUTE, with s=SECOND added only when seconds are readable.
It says h=11 m=58
